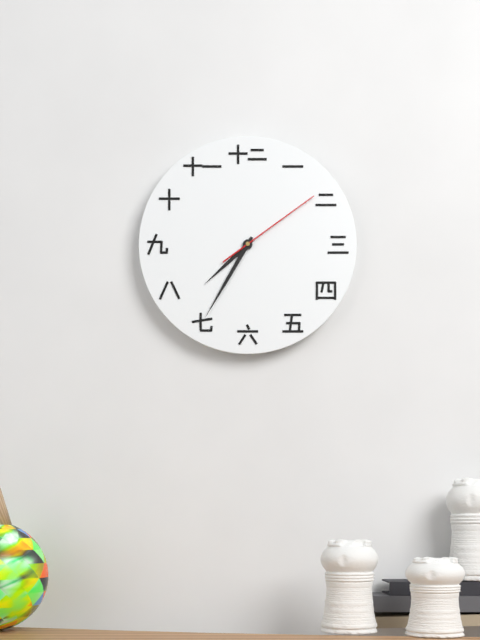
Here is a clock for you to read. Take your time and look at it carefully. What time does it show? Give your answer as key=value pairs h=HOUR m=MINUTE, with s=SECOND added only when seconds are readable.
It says h=7 m=35 s=9
